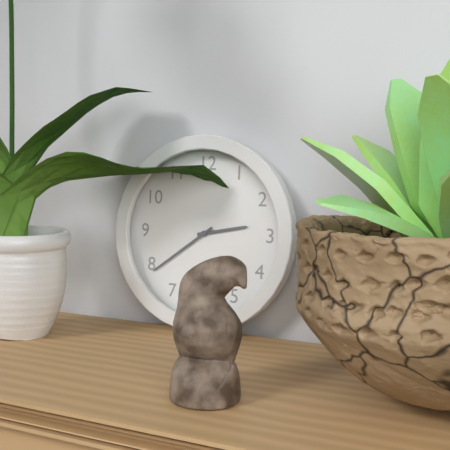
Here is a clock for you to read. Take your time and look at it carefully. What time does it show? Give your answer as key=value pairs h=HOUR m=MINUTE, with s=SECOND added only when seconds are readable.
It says h=2 m=39
